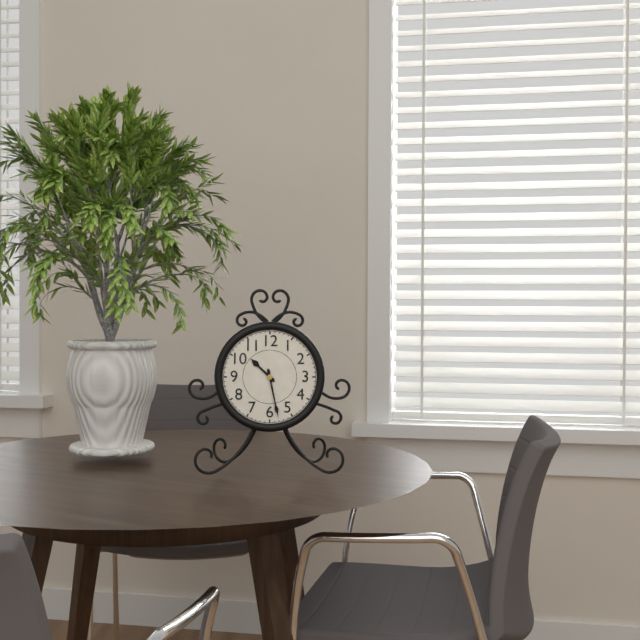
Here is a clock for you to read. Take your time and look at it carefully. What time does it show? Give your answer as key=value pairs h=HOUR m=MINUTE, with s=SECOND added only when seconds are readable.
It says h=10 m=28
